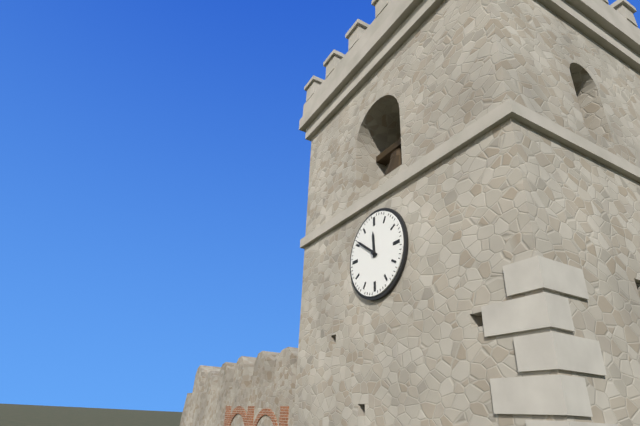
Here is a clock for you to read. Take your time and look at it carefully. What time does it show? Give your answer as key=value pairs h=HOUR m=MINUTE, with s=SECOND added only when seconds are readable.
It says h=11 m=51
